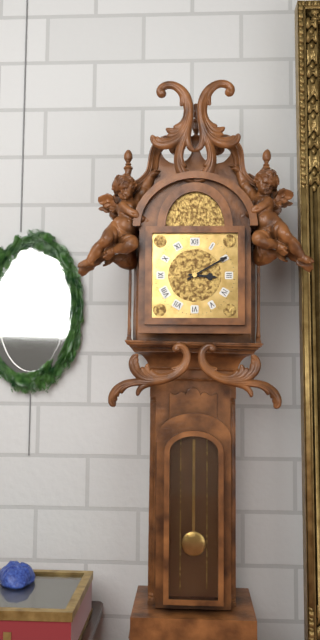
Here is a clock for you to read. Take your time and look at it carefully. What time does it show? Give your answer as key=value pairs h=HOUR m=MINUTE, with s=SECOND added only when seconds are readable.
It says h=3 m=10
